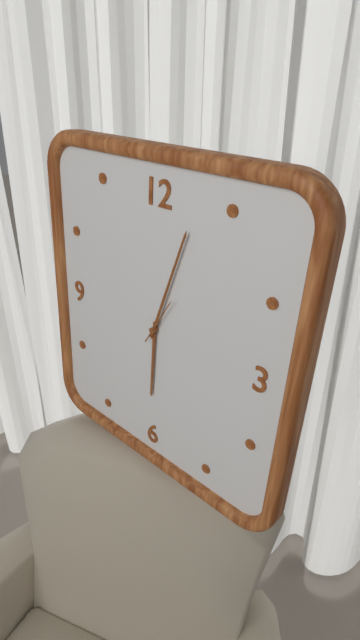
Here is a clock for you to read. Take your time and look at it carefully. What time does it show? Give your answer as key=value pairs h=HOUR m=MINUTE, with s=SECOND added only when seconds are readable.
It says h=6 m=3
